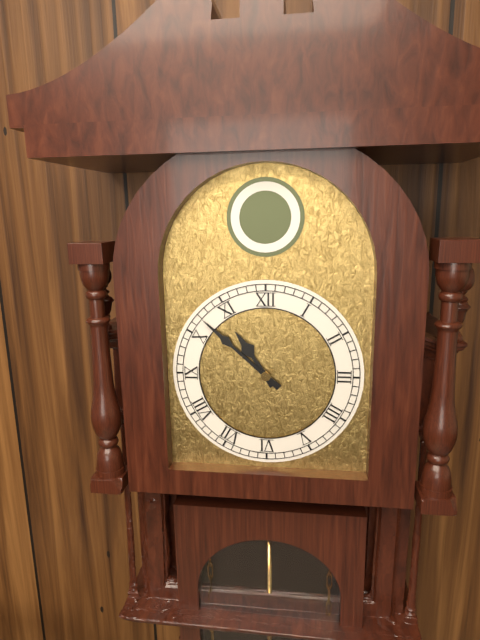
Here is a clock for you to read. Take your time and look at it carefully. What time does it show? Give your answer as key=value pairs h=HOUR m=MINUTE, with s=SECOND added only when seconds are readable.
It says h=10 m=52
